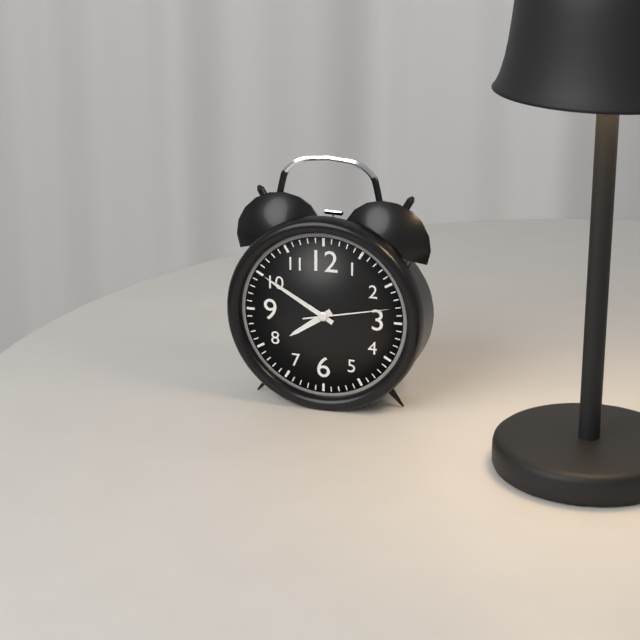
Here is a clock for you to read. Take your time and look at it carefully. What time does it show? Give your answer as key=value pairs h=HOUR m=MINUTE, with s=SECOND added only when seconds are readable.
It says h=7 m=50 s=13
